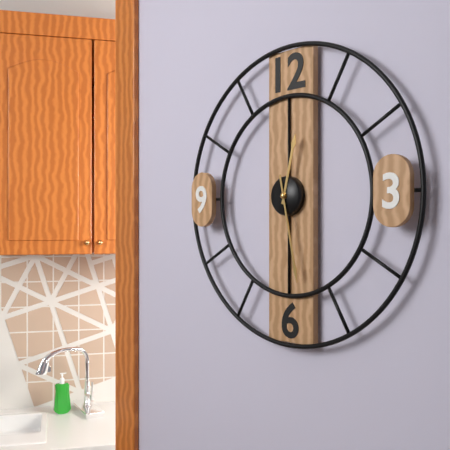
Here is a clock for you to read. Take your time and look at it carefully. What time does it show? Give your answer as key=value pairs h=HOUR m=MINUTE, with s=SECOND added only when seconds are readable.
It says h=12 m=28
